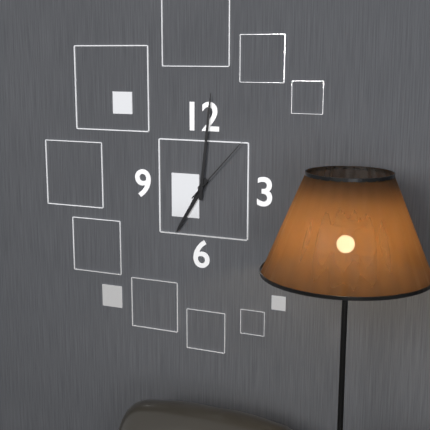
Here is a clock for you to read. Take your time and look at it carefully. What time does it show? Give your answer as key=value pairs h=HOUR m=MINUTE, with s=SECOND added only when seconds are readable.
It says h=7 m=1 s=7
